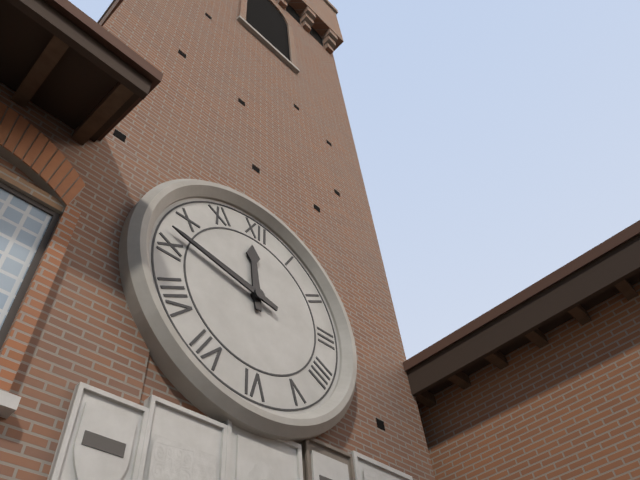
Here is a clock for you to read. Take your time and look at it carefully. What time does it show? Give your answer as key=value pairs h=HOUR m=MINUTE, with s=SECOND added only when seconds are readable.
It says h=11 m=47
